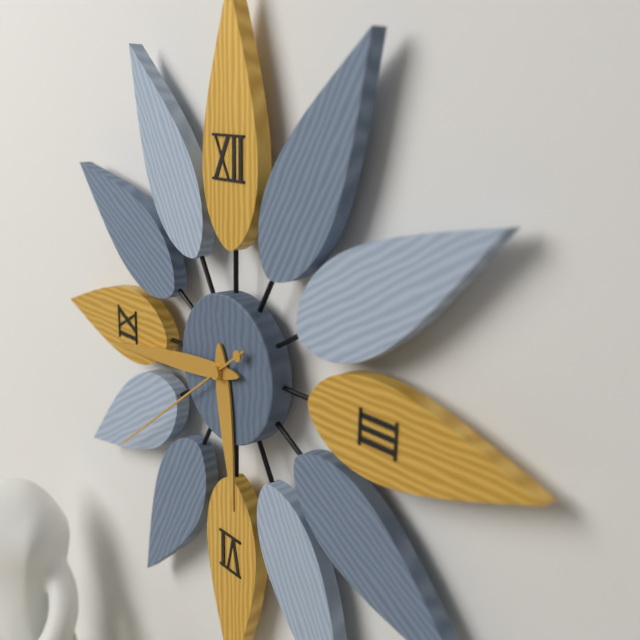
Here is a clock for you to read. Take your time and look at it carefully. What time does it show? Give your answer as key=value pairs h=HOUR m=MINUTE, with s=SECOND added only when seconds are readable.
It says h=5 m=44 s=39
